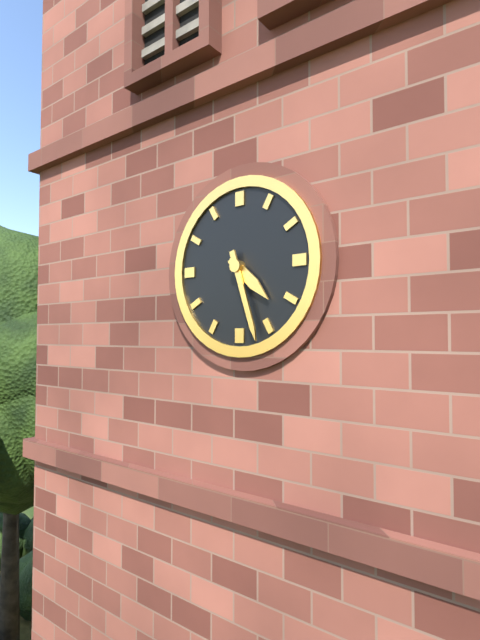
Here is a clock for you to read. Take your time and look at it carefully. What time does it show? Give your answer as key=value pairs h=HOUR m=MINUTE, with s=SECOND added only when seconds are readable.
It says h=4 m=27
